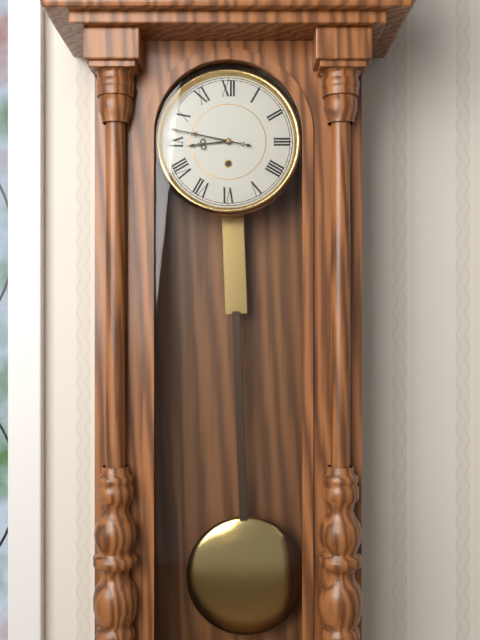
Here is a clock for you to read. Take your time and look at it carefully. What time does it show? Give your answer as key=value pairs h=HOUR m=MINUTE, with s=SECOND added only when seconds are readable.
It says h=8 m=47
